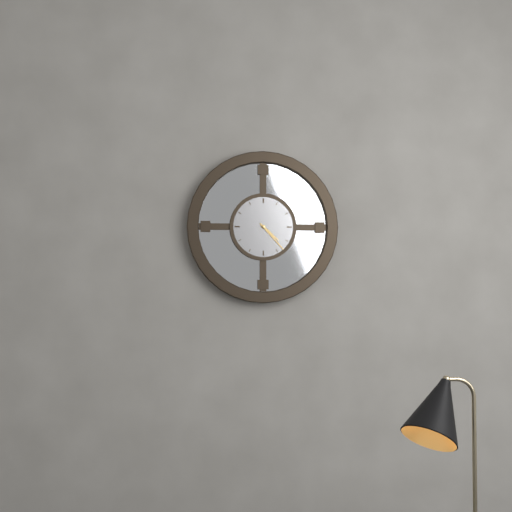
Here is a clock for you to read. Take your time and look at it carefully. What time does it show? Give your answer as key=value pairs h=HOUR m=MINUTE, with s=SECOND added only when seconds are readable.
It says h=4 m=23
